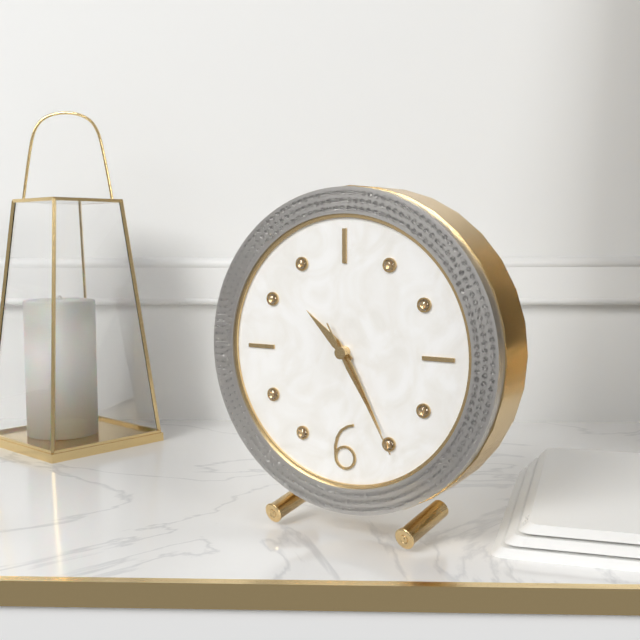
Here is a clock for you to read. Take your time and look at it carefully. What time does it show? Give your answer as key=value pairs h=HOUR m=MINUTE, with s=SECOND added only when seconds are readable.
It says h=10 m=25 s=25
